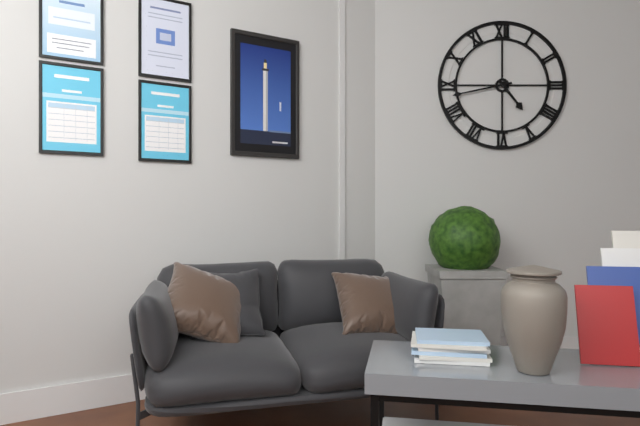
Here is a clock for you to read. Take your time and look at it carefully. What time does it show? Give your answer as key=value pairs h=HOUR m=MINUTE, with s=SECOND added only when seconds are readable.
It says h=4 m=43
